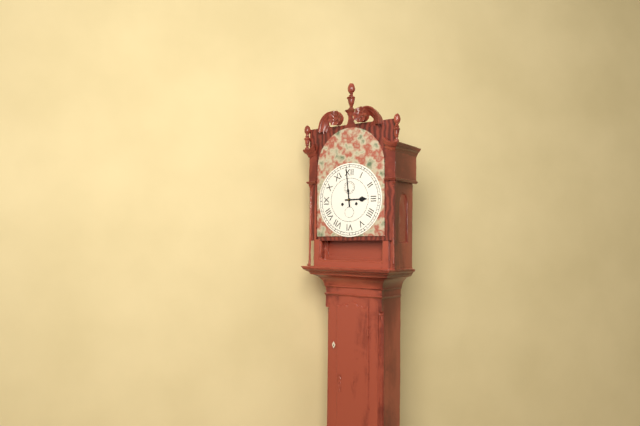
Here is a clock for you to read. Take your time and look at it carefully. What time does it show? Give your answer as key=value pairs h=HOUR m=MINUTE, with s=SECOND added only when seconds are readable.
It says h=2 m=59
